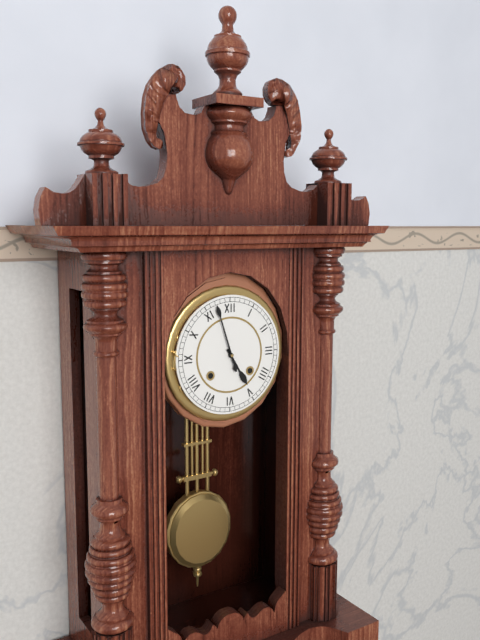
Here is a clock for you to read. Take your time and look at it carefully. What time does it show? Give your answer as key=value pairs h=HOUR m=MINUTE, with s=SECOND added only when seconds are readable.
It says h=4 m=57
